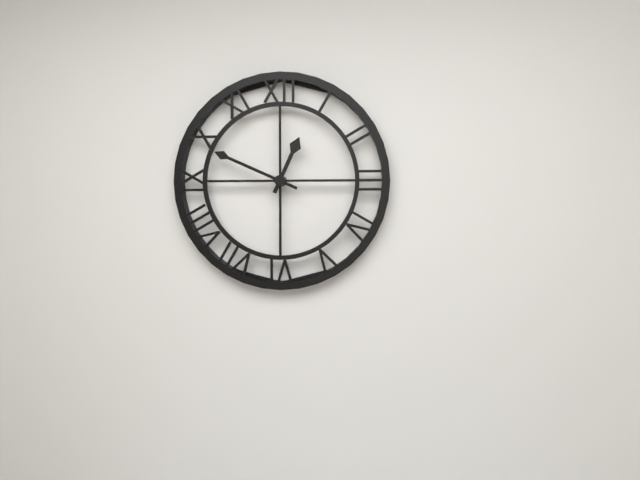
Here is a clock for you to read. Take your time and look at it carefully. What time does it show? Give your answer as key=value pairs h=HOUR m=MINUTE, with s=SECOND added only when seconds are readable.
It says h=12 m=49
